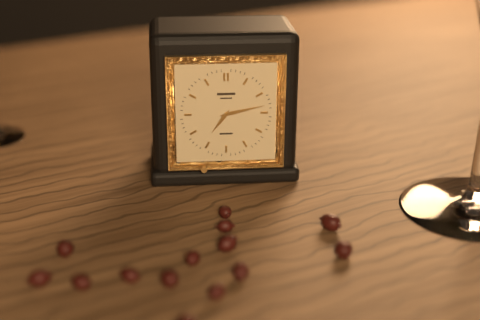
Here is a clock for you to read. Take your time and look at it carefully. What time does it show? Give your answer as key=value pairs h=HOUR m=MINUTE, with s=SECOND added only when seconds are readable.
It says h=7 m=13
